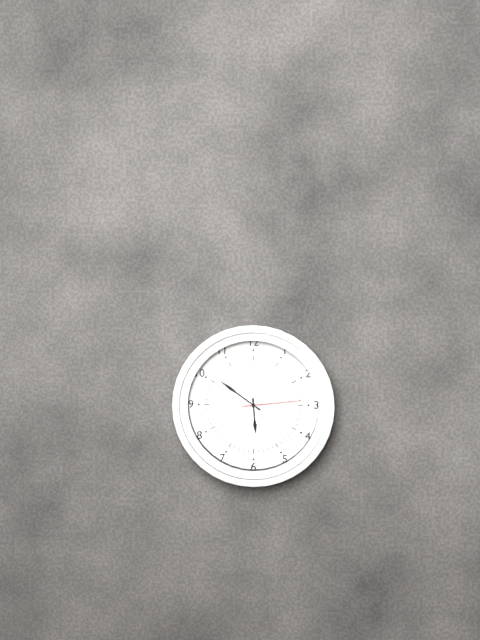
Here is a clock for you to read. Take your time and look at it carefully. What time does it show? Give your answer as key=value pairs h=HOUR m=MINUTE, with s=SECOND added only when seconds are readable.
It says h=5 m=51 s=14
